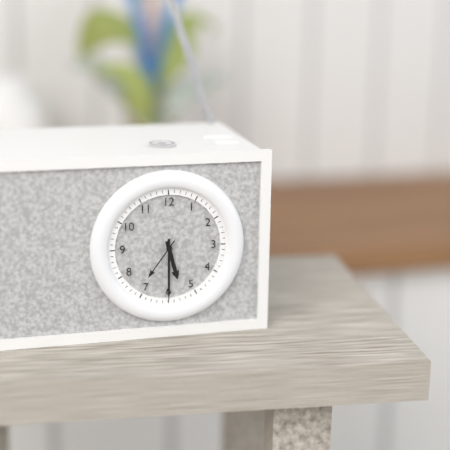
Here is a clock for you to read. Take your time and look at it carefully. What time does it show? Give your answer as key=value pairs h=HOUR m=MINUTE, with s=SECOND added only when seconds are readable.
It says h=5 m=30
